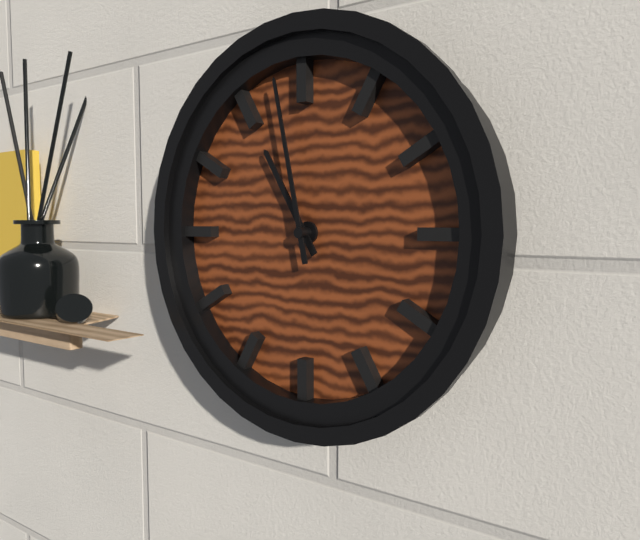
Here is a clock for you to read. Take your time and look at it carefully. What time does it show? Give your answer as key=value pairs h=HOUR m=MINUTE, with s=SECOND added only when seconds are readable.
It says h=10 m=58
